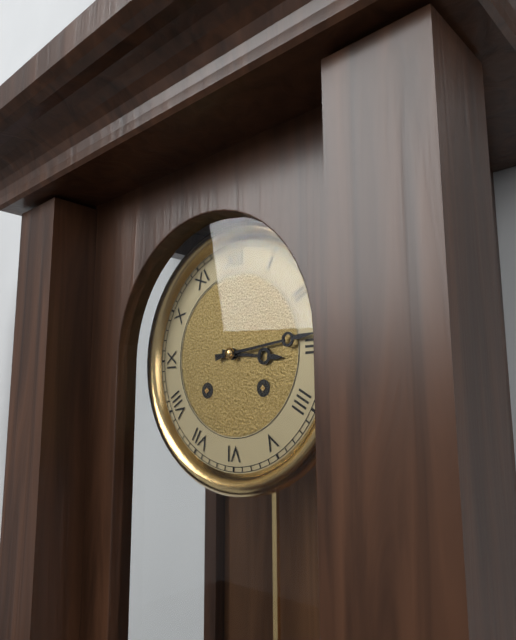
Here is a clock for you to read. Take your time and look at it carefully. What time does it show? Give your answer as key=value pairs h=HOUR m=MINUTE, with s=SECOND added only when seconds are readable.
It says h=3 m=14
